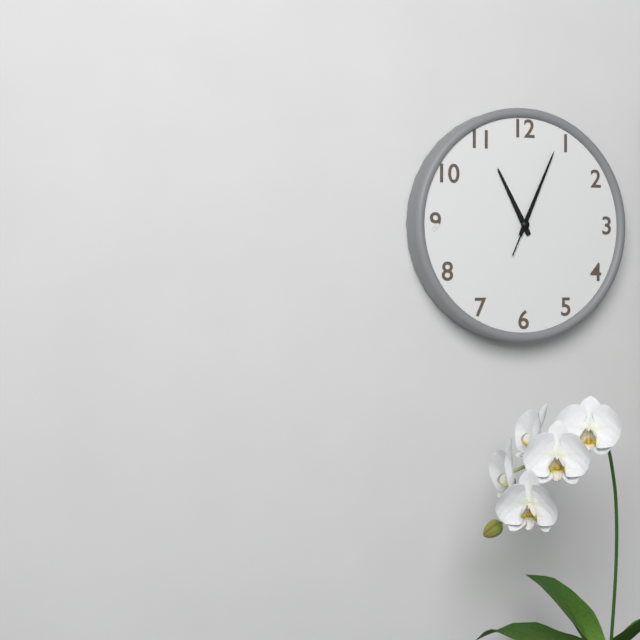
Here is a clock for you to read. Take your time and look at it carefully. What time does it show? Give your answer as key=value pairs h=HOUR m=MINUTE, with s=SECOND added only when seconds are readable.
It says h=11 m=4 s=4
